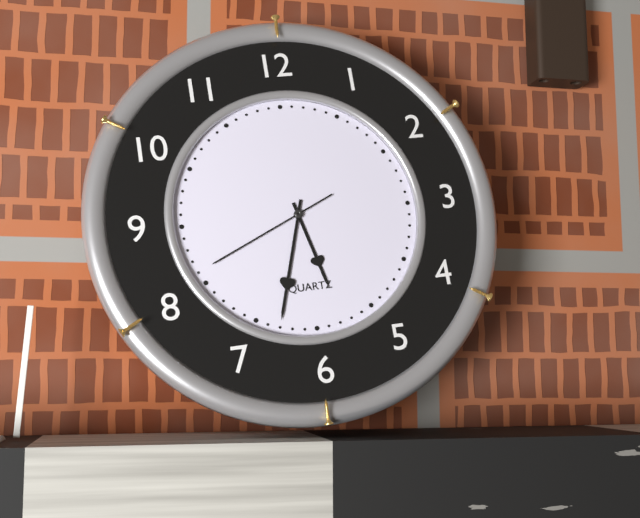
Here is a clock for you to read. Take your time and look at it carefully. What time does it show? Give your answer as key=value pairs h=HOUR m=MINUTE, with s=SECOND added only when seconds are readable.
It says h=5 m=33 s=41
